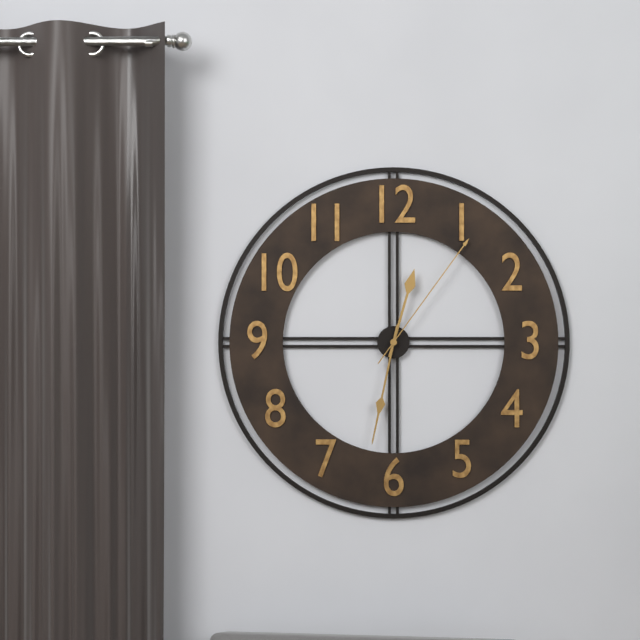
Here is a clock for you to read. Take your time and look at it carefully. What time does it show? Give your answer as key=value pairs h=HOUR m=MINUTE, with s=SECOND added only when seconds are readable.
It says h=12 m=32 s=6
